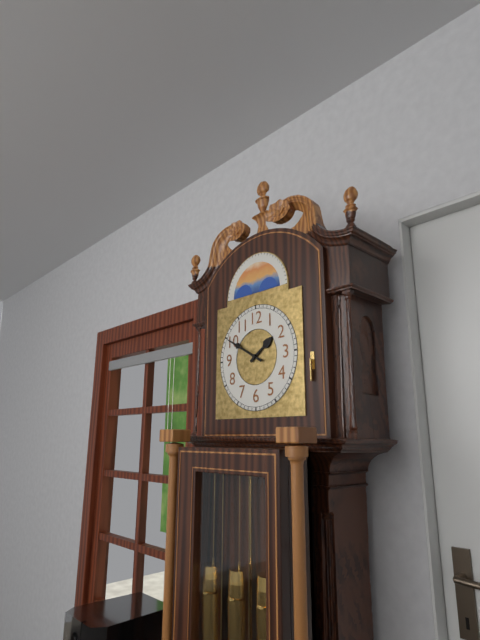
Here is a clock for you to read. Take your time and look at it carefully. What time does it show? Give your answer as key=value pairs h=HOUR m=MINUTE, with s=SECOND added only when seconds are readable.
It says h=1 m=50
